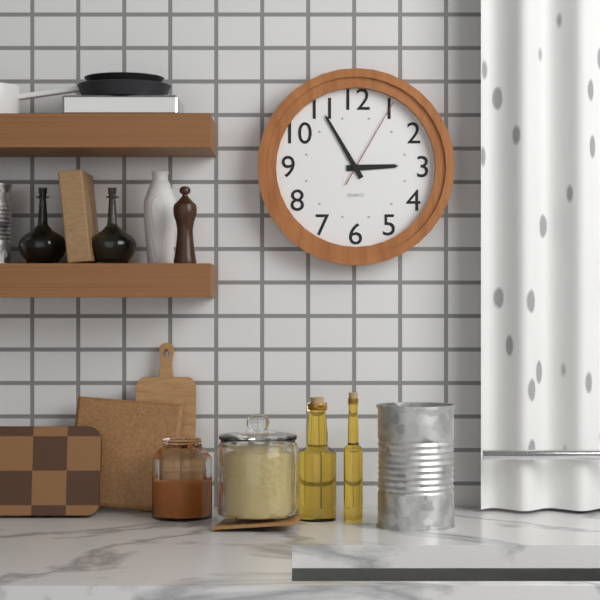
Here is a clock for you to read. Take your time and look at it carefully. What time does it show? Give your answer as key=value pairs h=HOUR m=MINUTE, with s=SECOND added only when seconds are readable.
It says h=2 m=55 s=5
